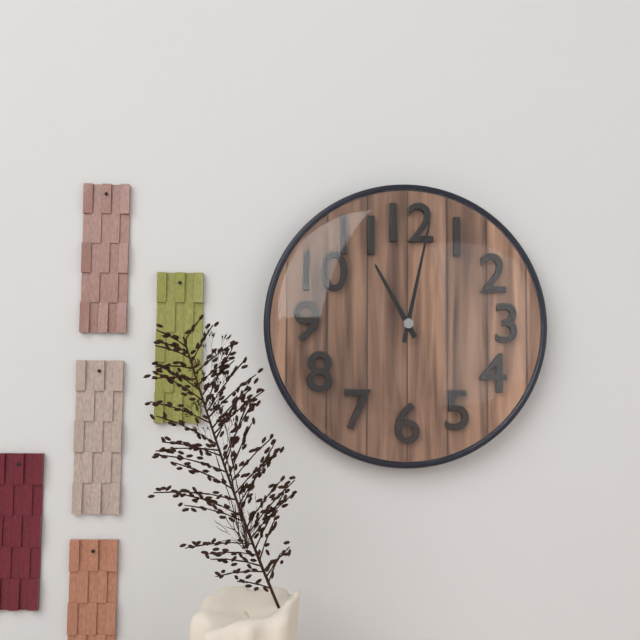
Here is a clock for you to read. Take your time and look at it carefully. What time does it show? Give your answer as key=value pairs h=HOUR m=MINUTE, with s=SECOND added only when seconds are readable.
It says h=11 m=2
